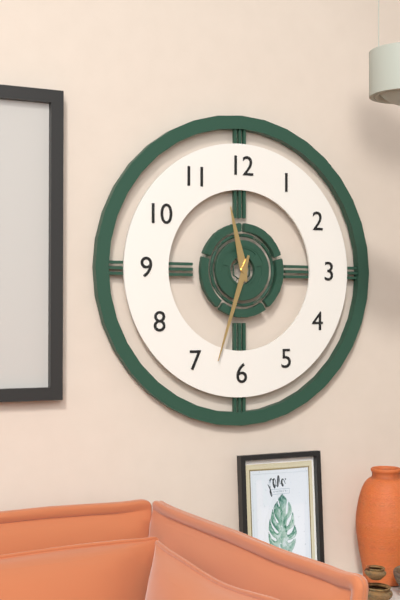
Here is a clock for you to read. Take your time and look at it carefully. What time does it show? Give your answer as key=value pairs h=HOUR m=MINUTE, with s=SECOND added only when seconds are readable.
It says h=11 m=33
